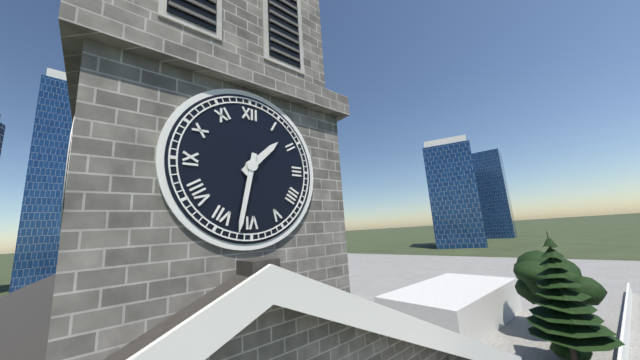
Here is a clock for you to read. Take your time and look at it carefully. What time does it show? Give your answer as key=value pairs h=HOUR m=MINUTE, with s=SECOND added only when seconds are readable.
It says h=1 m=32
